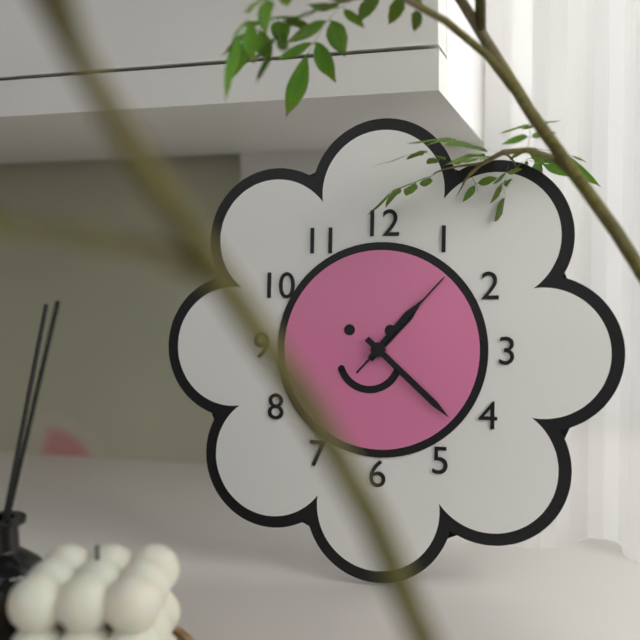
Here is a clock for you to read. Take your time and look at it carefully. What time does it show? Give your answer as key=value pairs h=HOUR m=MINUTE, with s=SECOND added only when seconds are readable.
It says h=1 m=22 s=7
